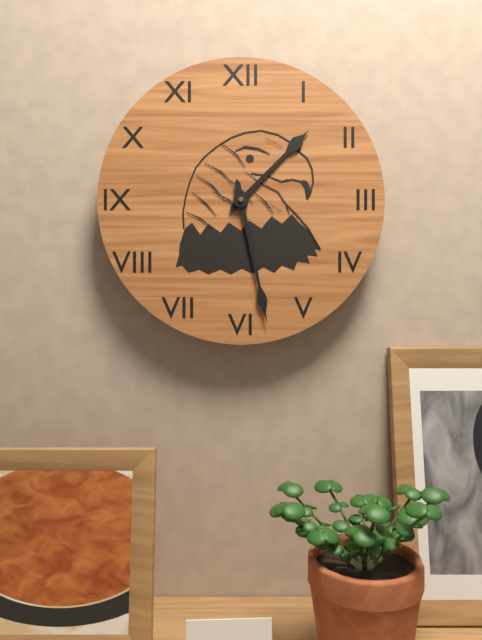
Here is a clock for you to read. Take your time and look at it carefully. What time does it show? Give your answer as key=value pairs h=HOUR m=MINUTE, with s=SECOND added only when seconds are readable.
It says h=1 m=28
